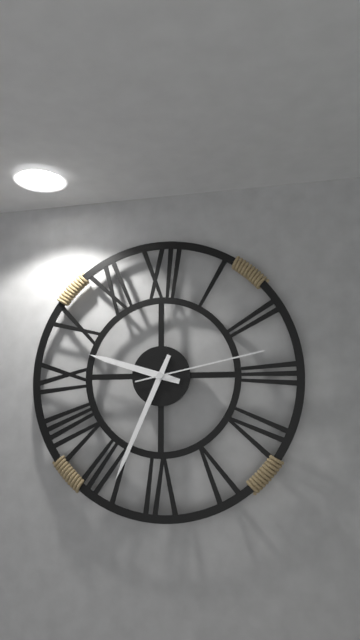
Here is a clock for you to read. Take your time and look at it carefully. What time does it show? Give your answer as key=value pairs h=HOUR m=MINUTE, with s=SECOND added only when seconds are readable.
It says h=9 m=34 s=13
